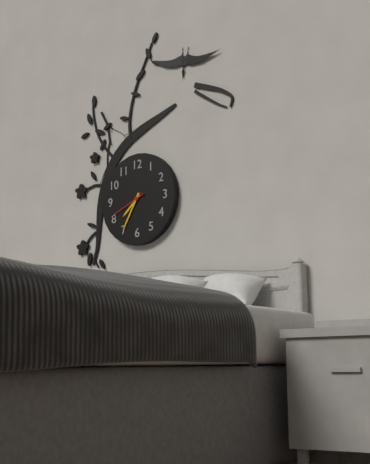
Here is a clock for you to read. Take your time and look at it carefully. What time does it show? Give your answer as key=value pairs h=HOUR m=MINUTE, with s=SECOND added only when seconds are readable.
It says h=7 m=35
